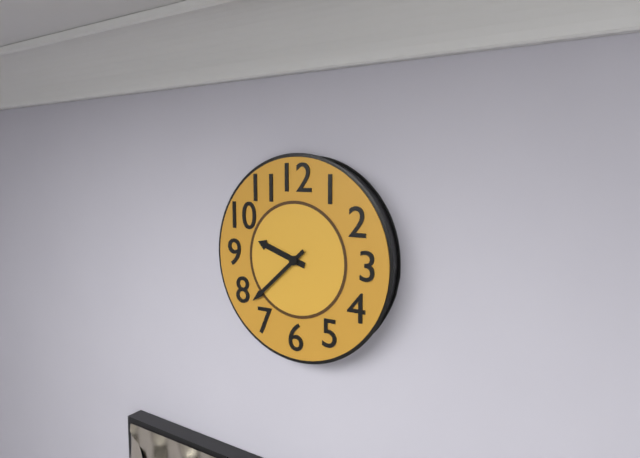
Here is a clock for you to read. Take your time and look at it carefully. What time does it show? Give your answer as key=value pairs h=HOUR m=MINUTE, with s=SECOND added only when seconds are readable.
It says h=9 m=38
